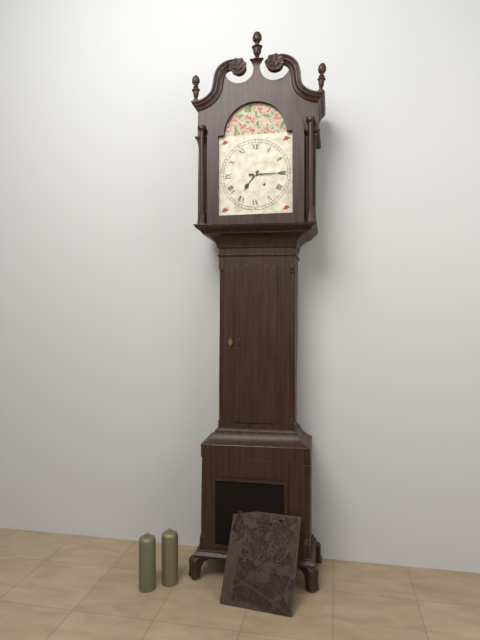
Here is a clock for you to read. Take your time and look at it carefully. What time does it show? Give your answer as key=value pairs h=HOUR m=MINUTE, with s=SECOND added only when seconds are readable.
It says h=7 m=15
